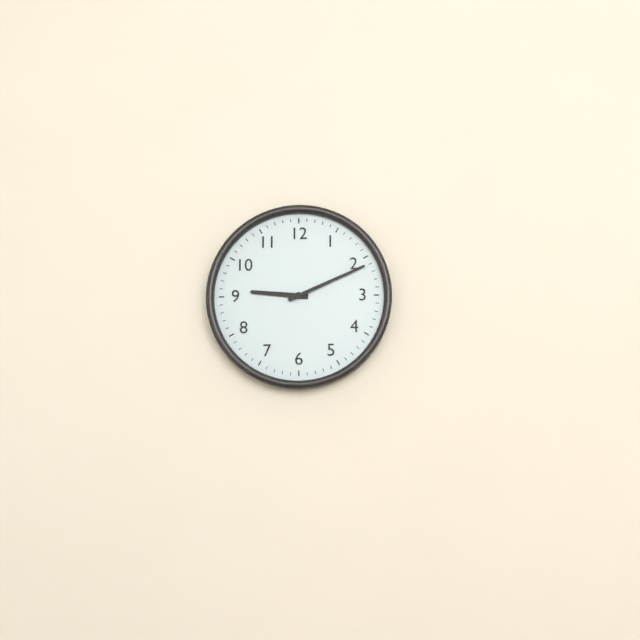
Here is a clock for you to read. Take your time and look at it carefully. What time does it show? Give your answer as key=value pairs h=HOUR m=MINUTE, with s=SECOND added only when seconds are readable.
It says h=9 m=11
